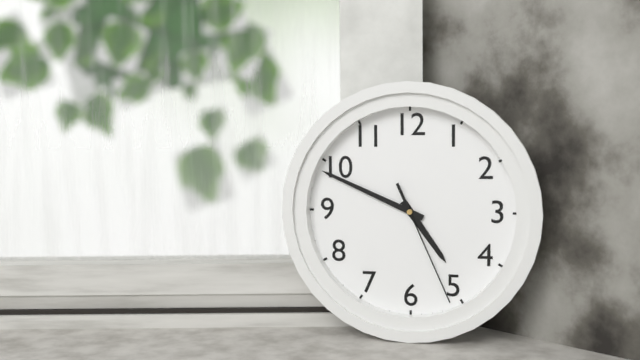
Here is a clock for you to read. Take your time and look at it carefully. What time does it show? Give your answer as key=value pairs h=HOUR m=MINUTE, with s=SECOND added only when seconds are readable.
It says h=4 m=49 s=26
